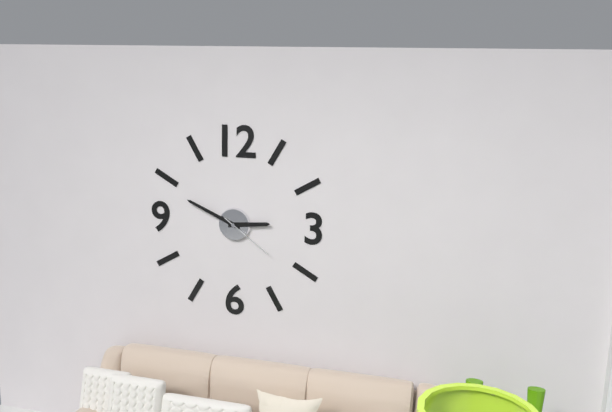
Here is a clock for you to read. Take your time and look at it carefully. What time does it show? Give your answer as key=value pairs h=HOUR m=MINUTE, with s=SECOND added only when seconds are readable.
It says h=2 m=49 s=21
